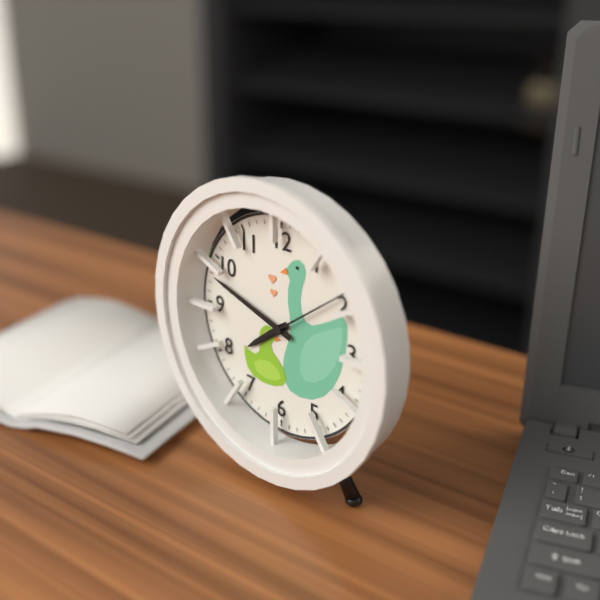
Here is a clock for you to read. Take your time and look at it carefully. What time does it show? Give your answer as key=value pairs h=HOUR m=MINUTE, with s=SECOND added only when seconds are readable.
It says h=7 m=48 s=9
